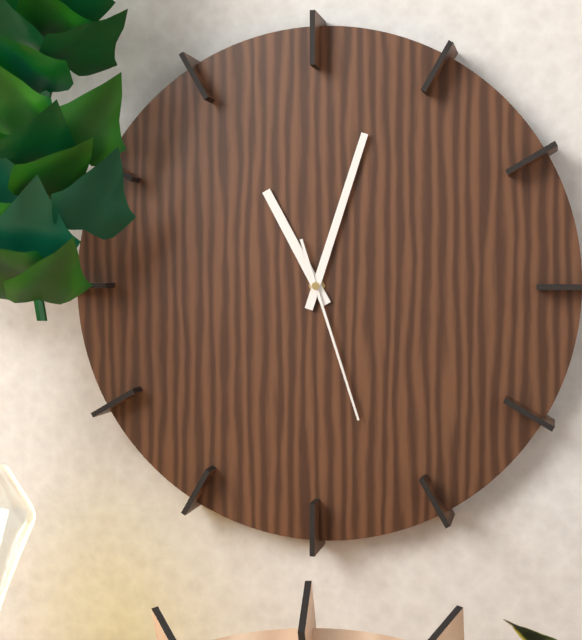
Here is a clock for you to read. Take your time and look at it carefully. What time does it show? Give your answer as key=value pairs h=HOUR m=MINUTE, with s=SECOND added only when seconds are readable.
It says h=11 m=3 s=27
